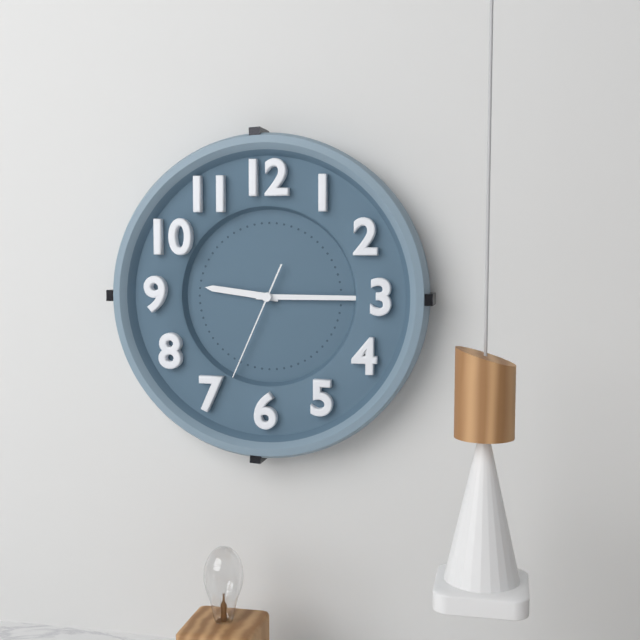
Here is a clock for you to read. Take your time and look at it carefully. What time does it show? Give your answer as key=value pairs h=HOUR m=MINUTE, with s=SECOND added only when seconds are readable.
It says h=9 m=15 s=34
